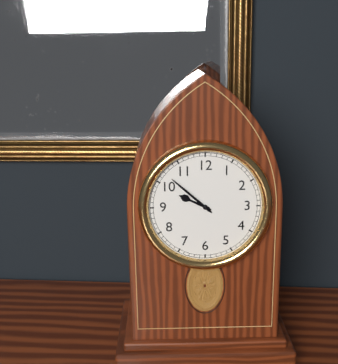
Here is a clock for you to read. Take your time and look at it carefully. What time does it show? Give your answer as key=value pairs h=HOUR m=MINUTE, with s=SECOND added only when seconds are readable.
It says h=9 m=52
